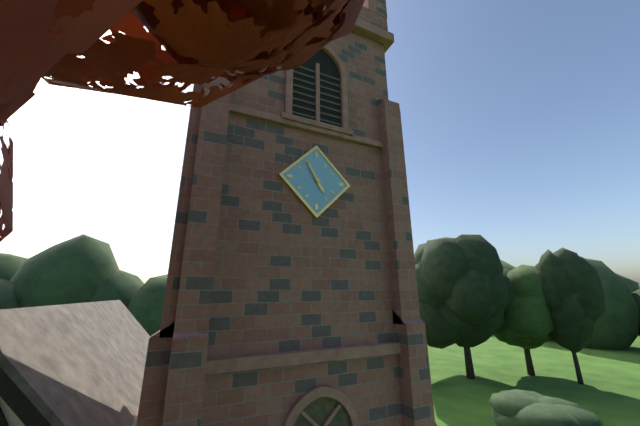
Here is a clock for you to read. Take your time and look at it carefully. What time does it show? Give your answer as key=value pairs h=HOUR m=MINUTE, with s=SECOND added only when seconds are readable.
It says h=4 m=55
